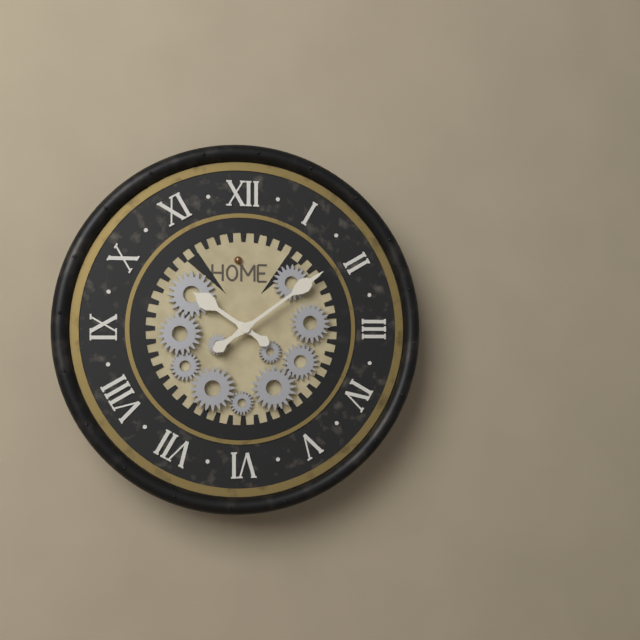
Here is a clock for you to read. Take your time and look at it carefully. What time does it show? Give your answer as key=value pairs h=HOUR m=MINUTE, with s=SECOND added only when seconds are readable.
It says h=10 m=9
